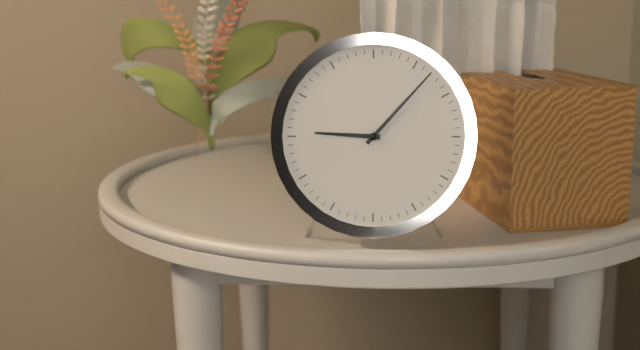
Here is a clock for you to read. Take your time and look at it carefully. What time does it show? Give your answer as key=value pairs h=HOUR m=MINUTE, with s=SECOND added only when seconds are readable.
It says h=9 m=7
